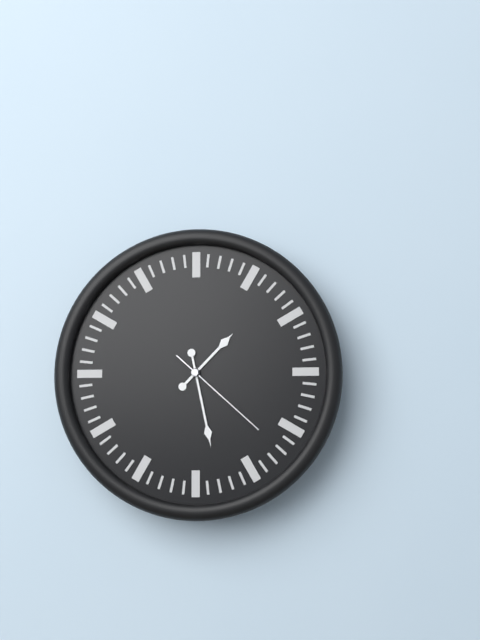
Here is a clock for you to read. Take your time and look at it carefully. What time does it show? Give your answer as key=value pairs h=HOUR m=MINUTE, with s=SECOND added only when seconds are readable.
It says h=1 m=28 s=22
